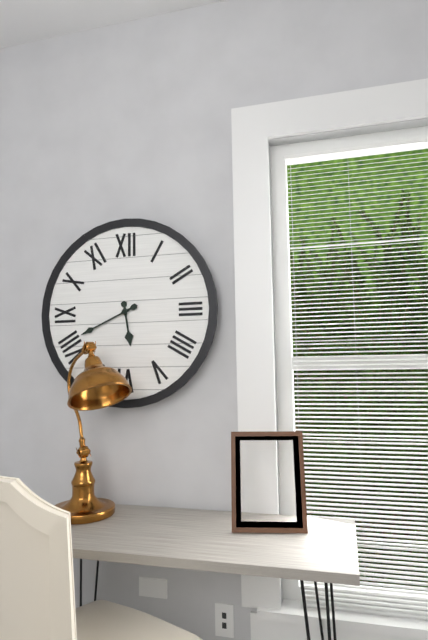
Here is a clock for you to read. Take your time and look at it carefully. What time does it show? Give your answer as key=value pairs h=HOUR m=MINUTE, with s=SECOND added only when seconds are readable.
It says h=5 m=41
